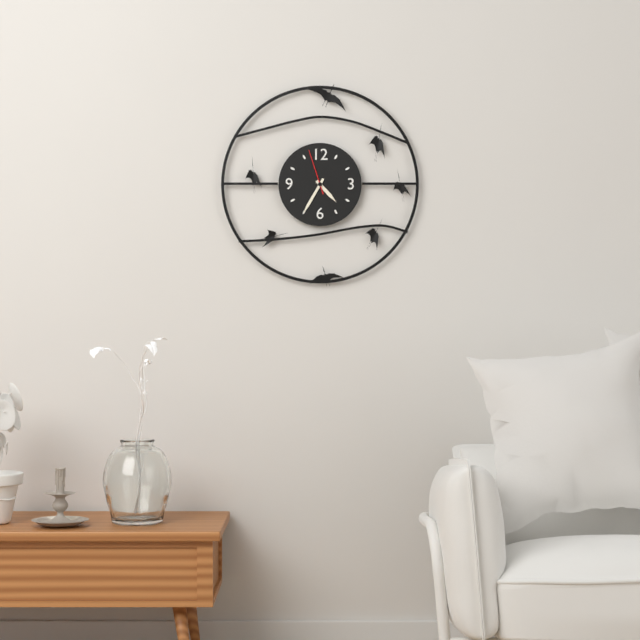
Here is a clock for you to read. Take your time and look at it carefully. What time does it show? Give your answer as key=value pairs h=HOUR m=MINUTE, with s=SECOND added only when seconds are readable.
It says h=4 m=35
